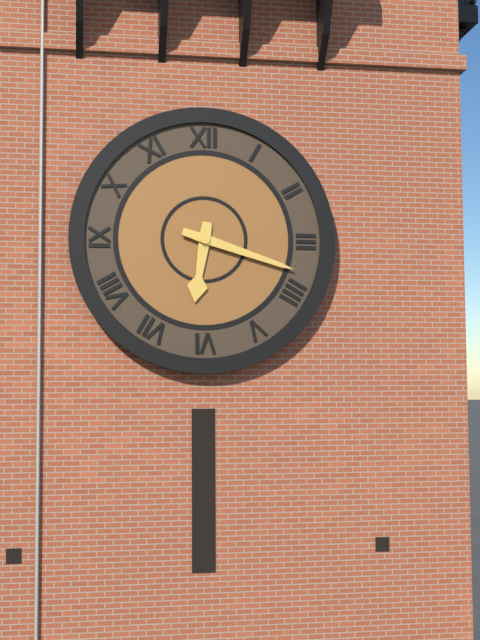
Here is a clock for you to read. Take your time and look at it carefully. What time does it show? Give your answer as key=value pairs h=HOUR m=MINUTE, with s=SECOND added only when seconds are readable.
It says h=6 m=18
